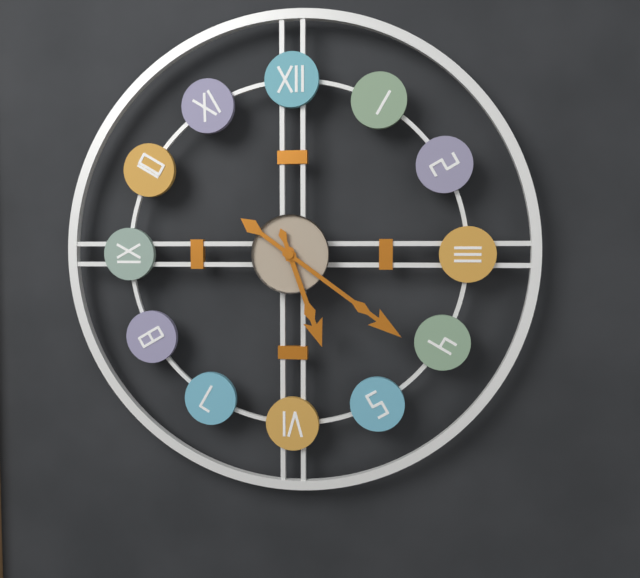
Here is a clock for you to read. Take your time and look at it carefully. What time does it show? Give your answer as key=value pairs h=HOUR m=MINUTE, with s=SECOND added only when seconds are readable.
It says h=5 m=21
